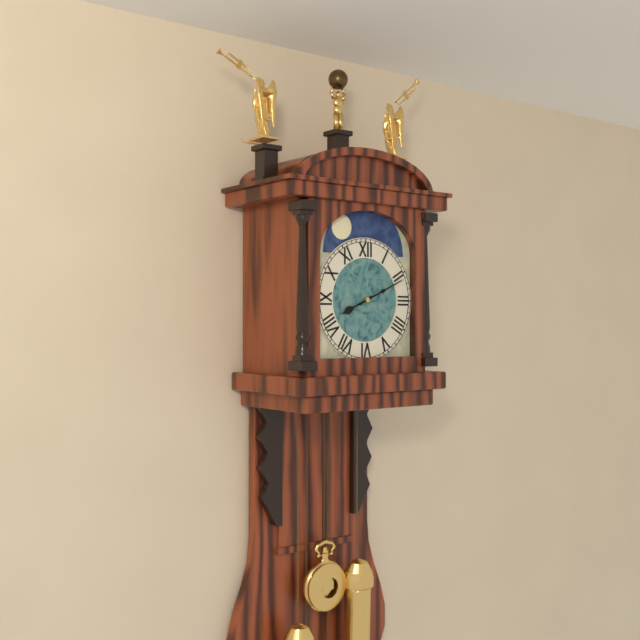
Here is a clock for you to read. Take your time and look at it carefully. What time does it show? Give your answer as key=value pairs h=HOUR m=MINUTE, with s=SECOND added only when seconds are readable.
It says h=8 m=11
